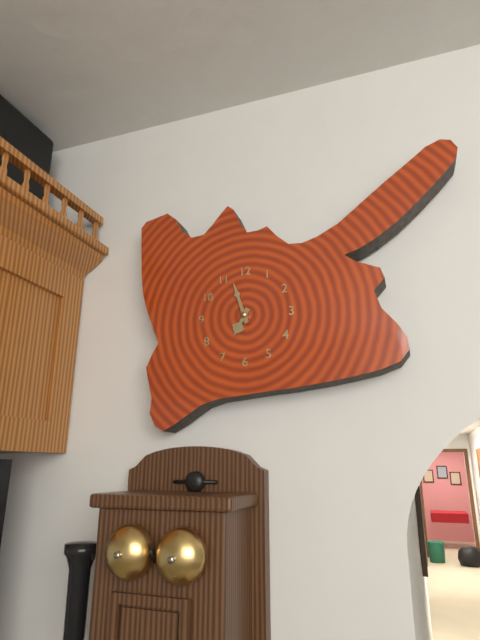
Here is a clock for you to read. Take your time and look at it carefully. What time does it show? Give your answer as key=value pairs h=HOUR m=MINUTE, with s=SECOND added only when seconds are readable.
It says h=6 m=57
